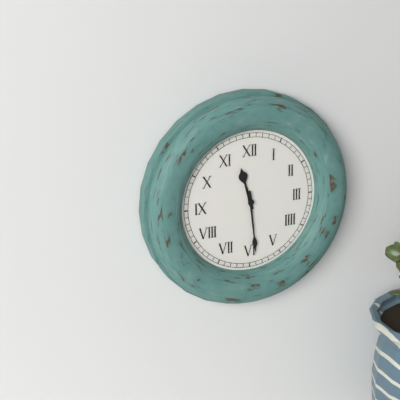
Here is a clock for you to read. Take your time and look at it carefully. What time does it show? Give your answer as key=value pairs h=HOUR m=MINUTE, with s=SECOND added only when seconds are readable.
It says h=11 m=29
